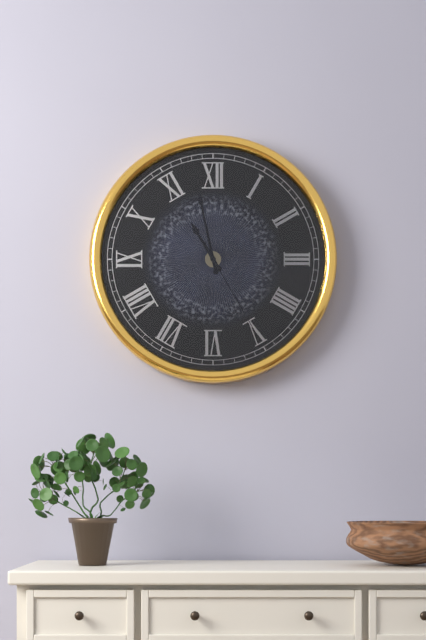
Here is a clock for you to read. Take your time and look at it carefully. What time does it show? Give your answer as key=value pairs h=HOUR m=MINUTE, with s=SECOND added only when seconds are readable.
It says h=10 m=58 s=25
